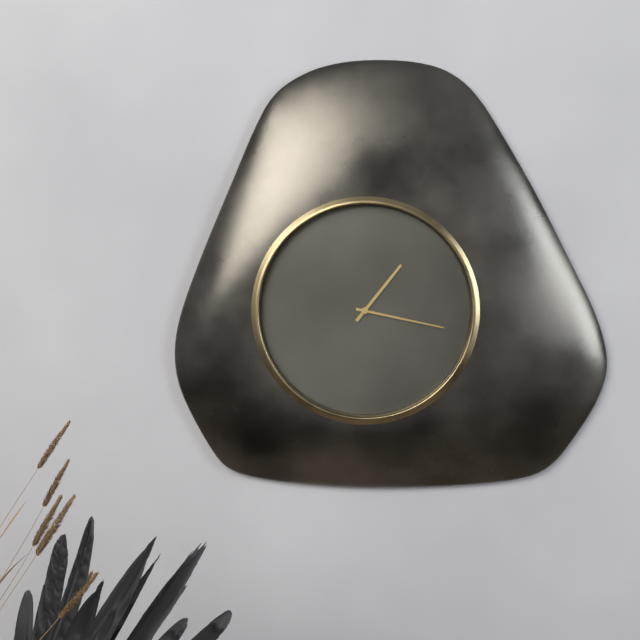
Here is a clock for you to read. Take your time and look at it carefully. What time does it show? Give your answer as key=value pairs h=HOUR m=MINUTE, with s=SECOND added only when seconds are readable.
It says h=1 m=17
